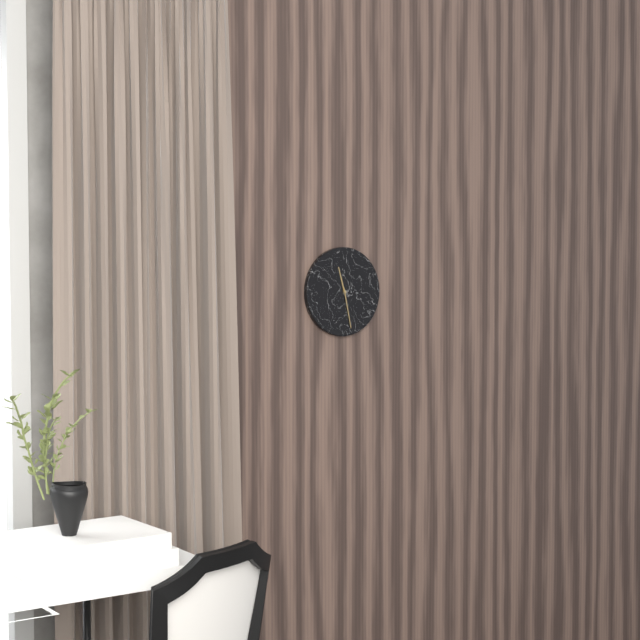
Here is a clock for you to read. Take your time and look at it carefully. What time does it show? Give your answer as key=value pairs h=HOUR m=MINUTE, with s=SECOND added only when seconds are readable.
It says h=11 m=28
